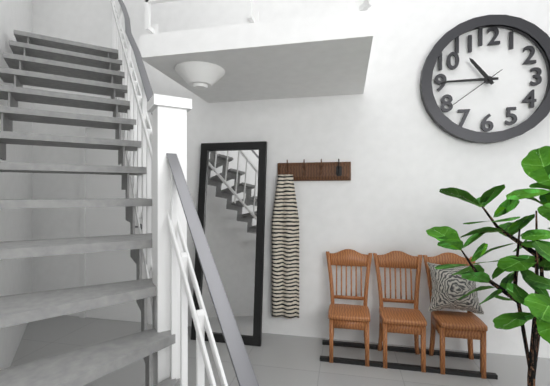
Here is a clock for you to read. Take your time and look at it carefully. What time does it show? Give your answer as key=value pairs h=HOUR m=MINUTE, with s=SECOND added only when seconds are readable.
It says h=10 m=45 s=39
